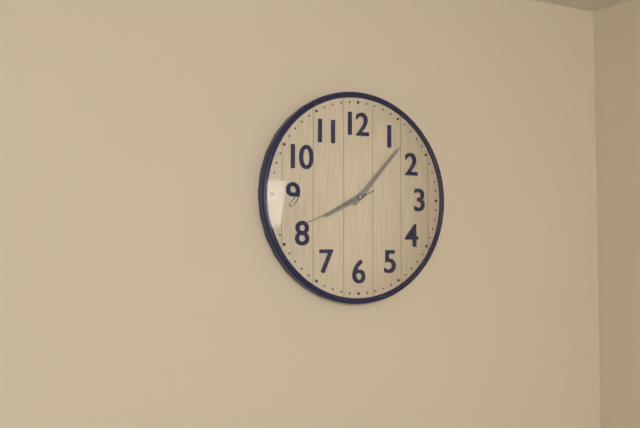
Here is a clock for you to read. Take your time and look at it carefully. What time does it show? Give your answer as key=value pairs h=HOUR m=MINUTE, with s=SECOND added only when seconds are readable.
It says h=8 m=7 s=41
